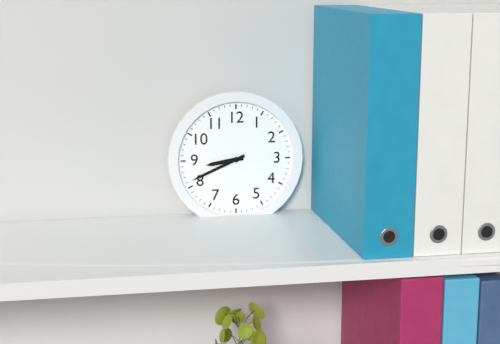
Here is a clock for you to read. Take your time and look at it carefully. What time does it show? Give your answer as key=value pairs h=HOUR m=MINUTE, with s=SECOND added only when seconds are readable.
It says h=8 m=41
